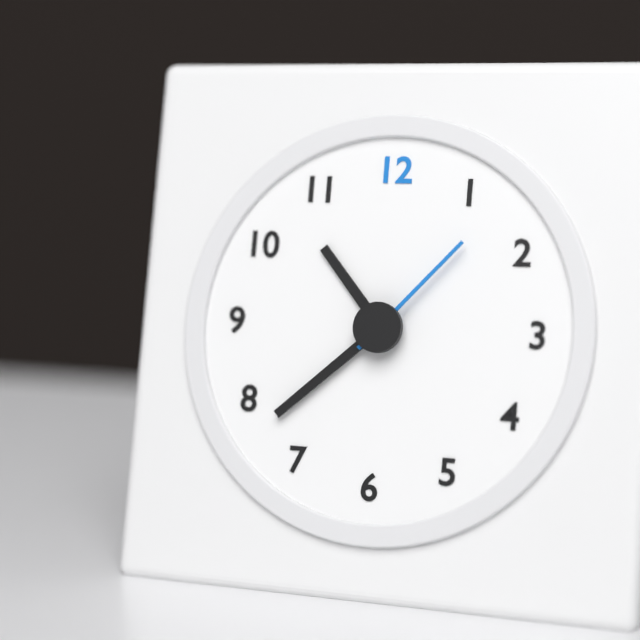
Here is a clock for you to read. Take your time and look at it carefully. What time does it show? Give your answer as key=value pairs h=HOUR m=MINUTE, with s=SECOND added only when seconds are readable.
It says h=10 m=38 s=7
